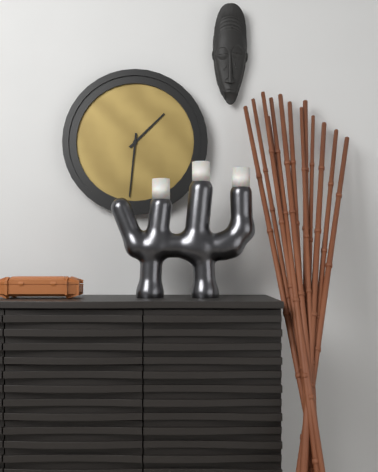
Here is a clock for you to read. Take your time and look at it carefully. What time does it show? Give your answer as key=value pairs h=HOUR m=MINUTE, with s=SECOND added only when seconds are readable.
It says h=1 m=31
